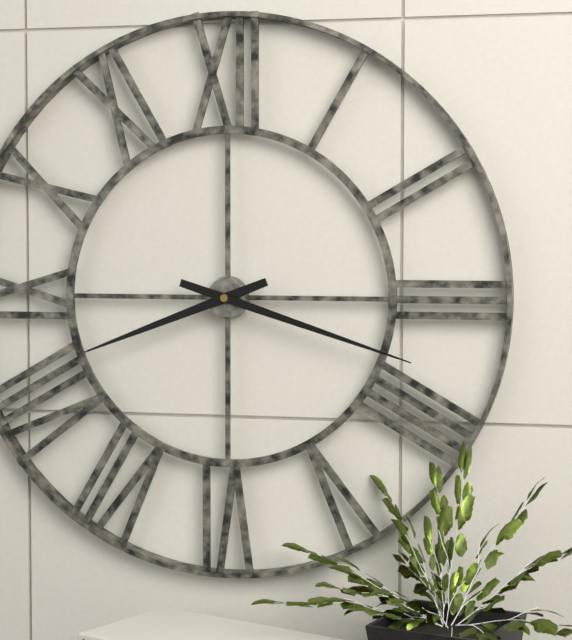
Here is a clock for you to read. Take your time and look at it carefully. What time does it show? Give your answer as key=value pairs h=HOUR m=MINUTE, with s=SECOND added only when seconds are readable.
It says h=8 m=18
